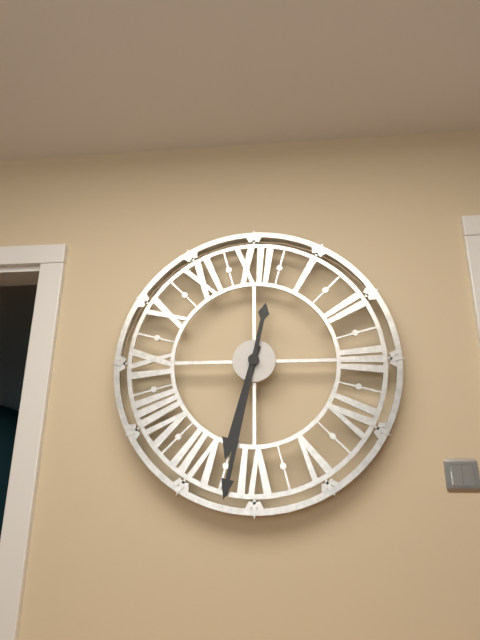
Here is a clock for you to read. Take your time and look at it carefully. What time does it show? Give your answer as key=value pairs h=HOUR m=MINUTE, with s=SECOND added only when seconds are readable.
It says h=6 m=32
